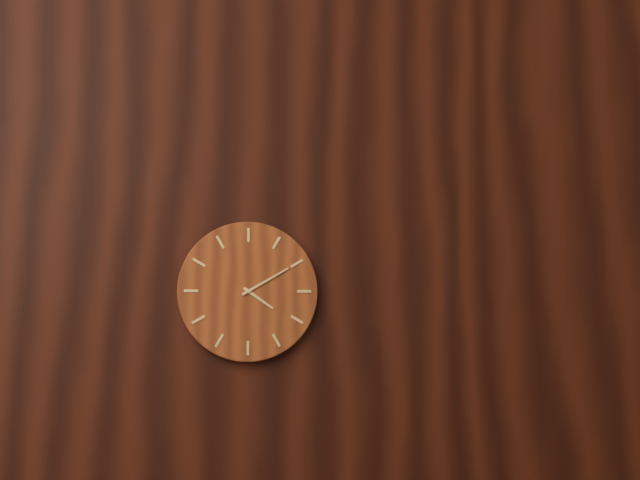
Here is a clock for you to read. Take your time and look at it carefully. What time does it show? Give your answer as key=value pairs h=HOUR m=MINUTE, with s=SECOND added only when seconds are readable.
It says h=4 m=10
